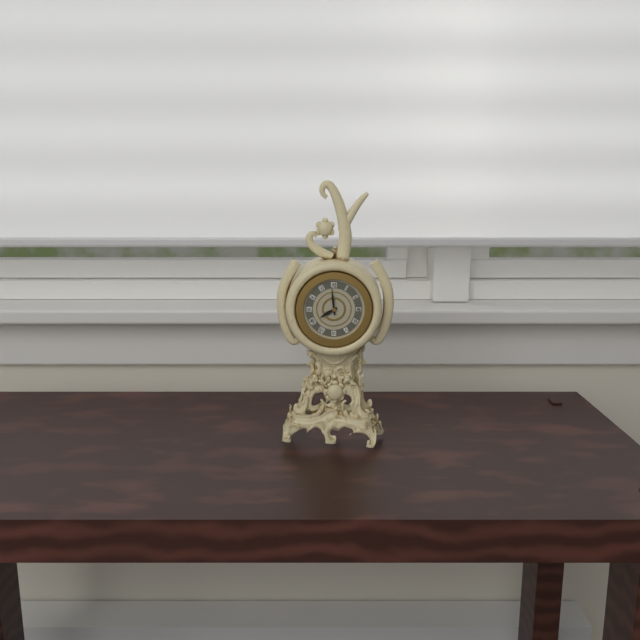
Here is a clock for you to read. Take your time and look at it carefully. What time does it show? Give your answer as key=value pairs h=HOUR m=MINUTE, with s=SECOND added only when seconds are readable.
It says h=7 m=59
